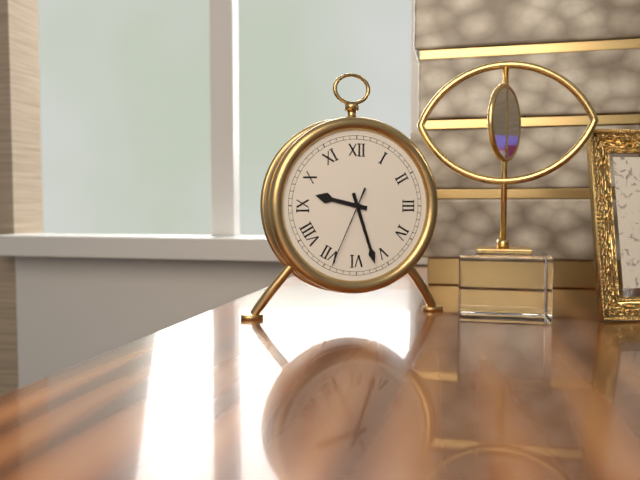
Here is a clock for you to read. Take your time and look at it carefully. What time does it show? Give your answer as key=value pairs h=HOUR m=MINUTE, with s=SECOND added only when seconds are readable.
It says h=9 m=27 s=34
